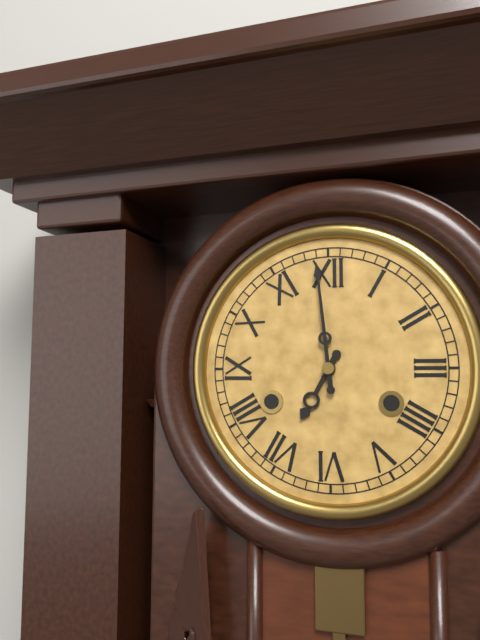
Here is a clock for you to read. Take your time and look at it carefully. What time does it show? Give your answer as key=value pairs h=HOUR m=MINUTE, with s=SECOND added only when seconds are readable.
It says h=6 m=59
